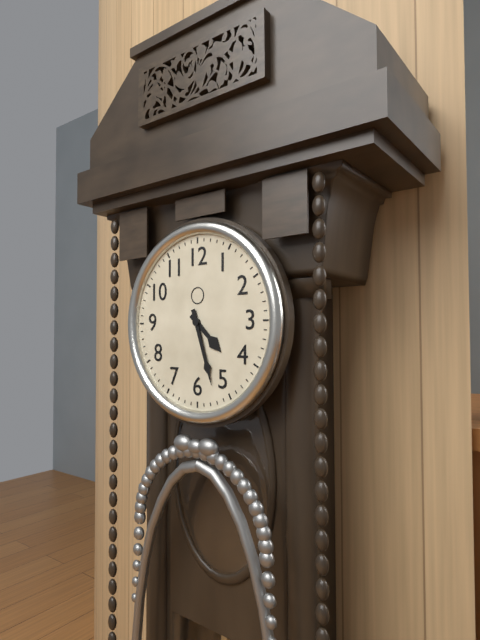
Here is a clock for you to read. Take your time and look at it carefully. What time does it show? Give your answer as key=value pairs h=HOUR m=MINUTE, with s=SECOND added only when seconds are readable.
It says h=4 m=27
